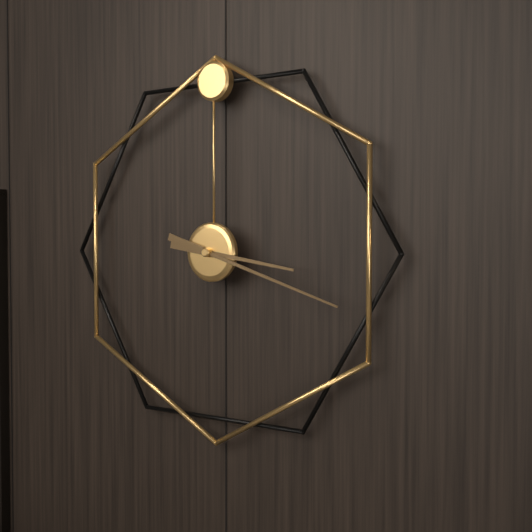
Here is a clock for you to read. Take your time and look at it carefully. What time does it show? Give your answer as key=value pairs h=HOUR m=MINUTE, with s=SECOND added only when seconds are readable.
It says h=3 m=18
